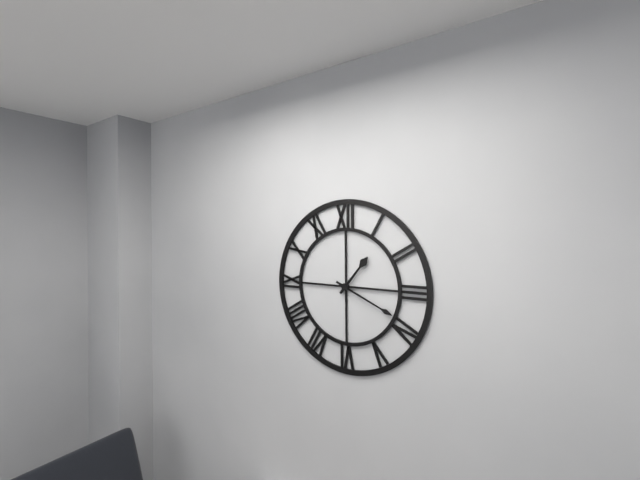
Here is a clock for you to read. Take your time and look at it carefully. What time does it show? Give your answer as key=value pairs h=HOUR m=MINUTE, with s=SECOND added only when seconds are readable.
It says h=1 m=19
